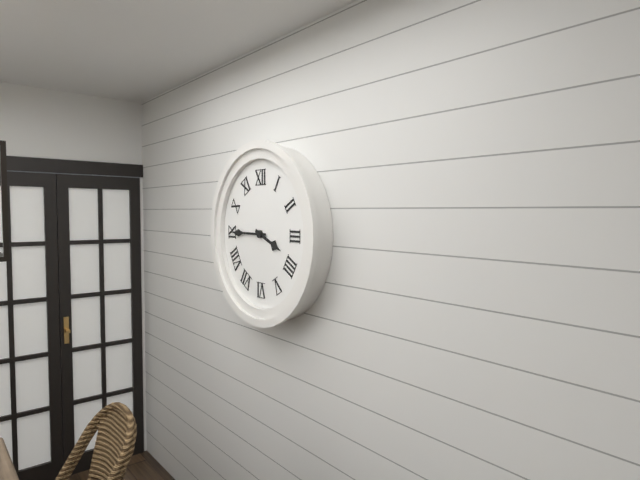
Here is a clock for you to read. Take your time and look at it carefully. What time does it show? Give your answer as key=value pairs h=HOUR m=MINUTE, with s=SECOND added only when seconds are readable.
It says h=3 m=45
